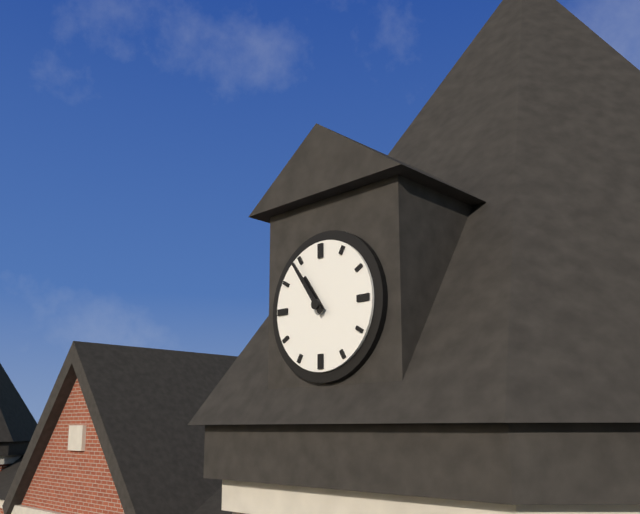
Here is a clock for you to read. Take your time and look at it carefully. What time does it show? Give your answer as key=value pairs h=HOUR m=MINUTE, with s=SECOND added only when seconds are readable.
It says h=10 m=54
